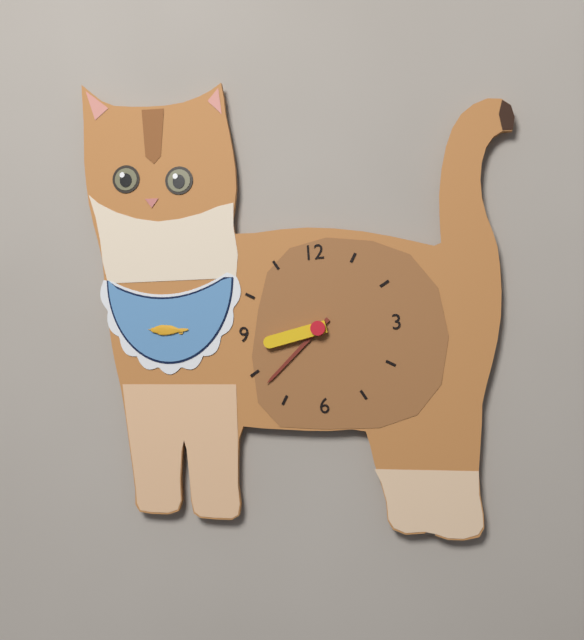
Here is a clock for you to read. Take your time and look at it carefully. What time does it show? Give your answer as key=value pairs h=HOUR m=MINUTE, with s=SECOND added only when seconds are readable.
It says h=8 m=38
